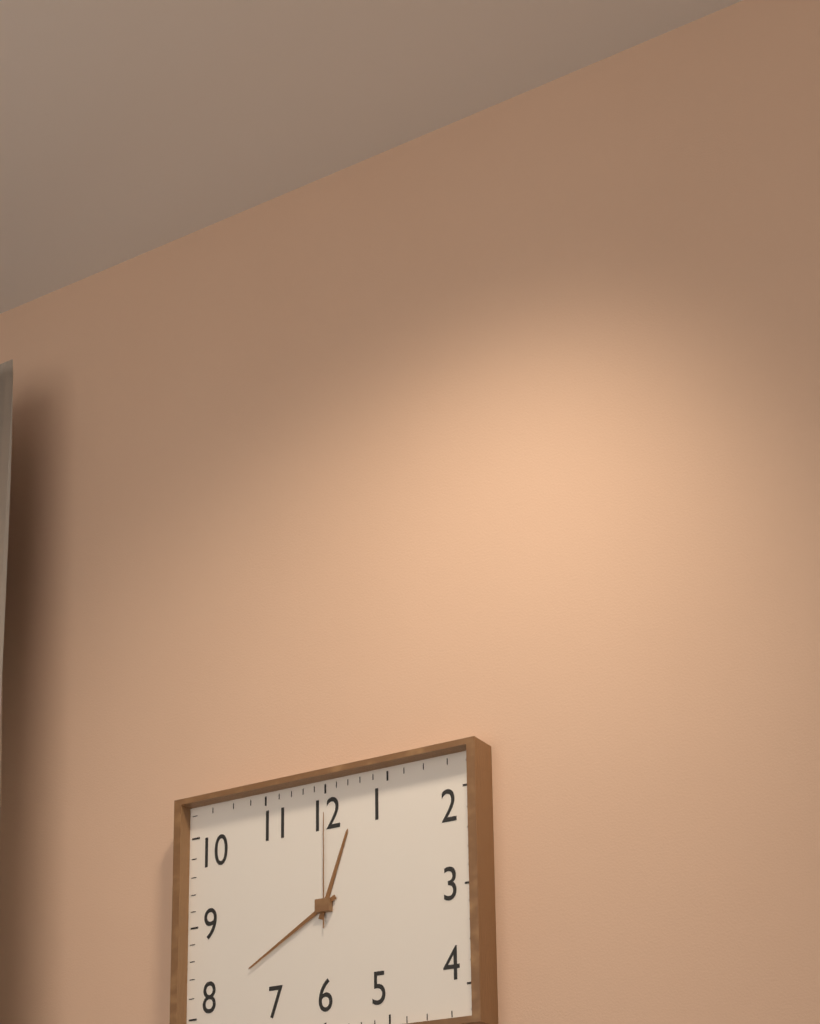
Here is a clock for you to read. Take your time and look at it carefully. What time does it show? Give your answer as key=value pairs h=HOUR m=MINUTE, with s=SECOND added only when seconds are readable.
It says h=12 m=40 s=0
